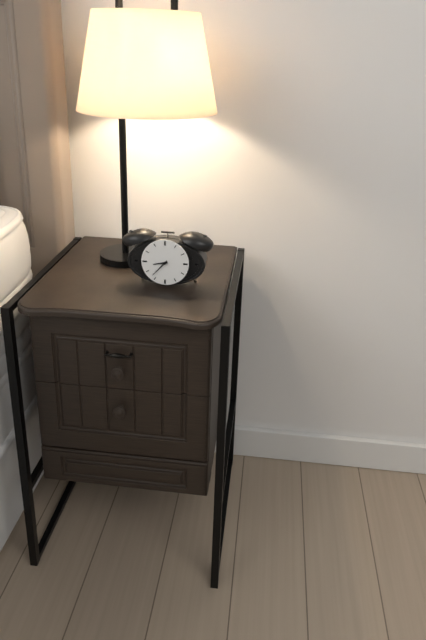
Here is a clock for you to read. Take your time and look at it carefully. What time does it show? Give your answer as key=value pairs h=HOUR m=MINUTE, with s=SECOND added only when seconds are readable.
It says h=8 m=37
